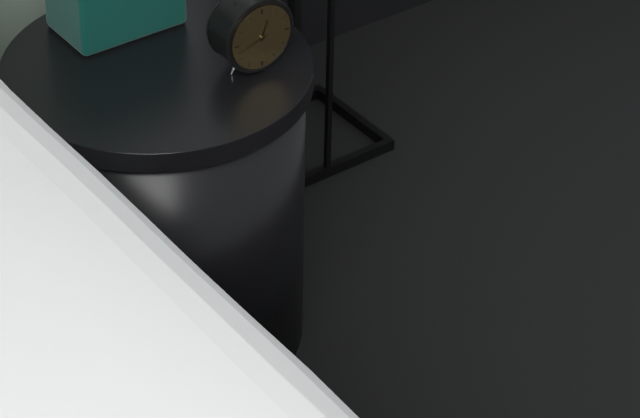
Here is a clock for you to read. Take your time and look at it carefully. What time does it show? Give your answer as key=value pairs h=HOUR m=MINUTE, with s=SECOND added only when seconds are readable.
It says h=12 m=42
